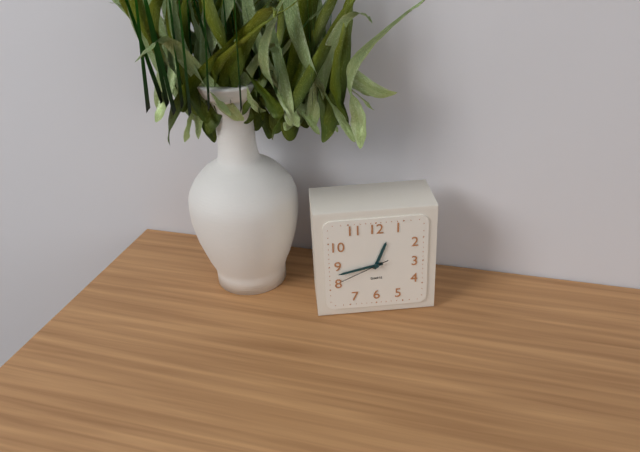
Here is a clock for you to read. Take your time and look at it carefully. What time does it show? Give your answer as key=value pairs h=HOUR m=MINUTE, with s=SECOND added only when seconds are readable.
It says h=12 m=43 s=41
